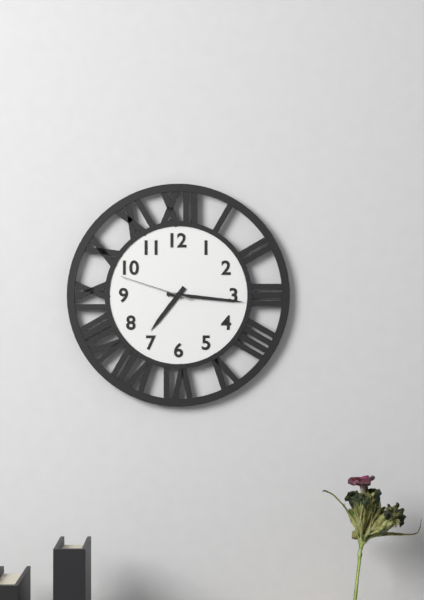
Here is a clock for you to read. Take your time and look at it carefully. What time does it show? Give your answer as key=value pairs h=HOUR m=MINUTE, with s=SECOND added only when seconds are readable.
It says h=7 m=16 s=48
